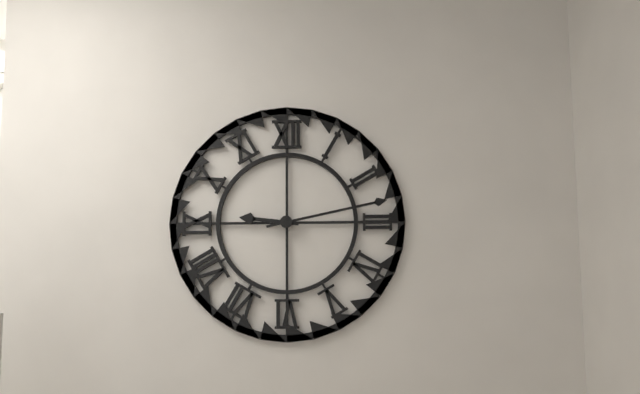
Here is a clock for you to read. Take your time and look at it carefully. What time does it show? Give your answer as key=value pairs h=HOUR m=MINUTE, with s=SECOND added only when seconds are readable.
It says h=9 m=13
